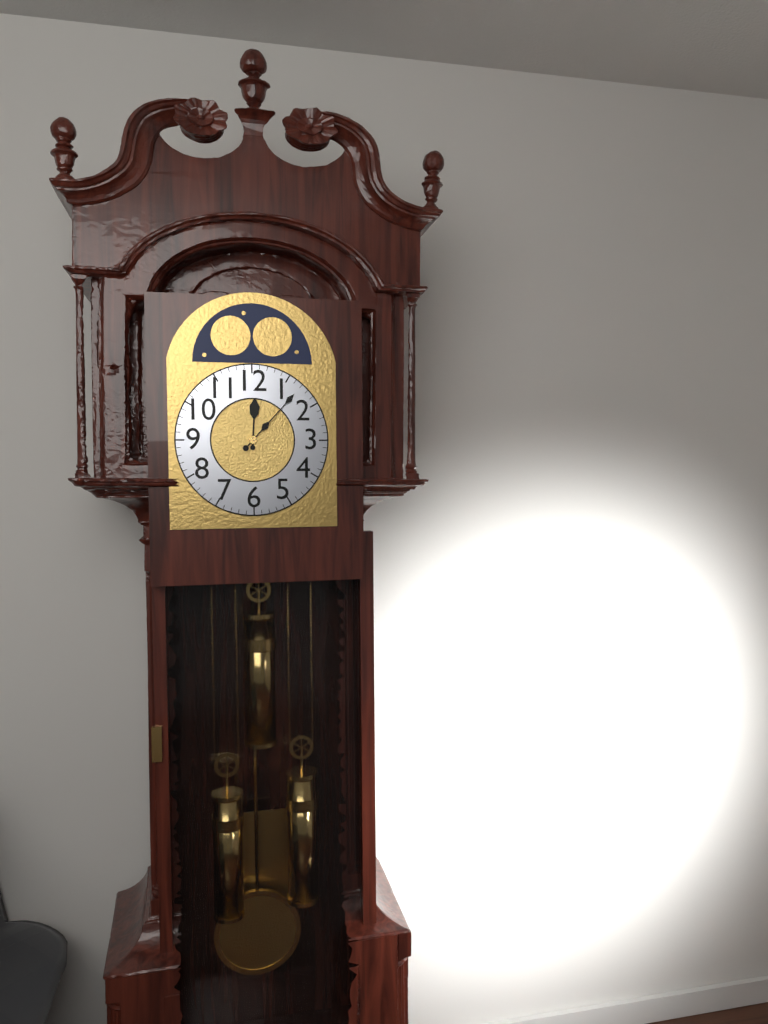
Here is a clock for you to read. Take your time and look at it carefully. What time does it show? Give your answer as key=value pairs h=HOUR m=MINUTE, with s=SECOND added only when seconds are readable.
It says h=12 m=7
